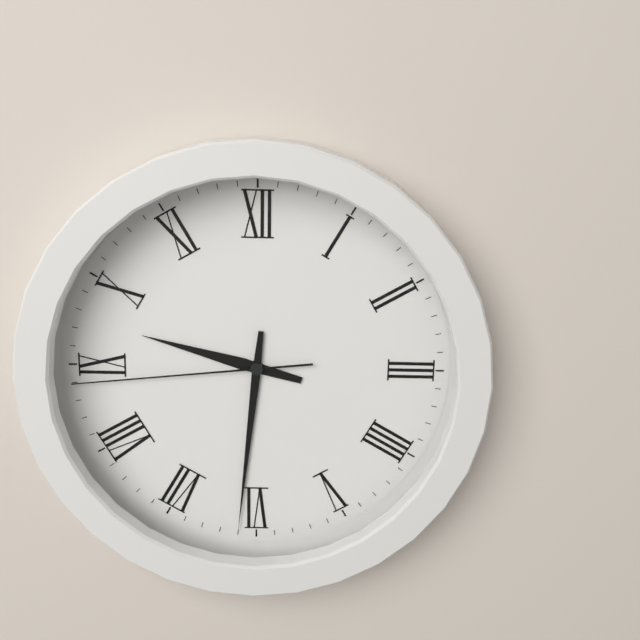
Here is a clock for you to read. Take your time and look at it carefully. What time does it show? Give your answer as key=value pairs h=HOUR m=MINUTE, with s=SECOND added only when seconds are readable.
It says h=9 m=31 s=44
